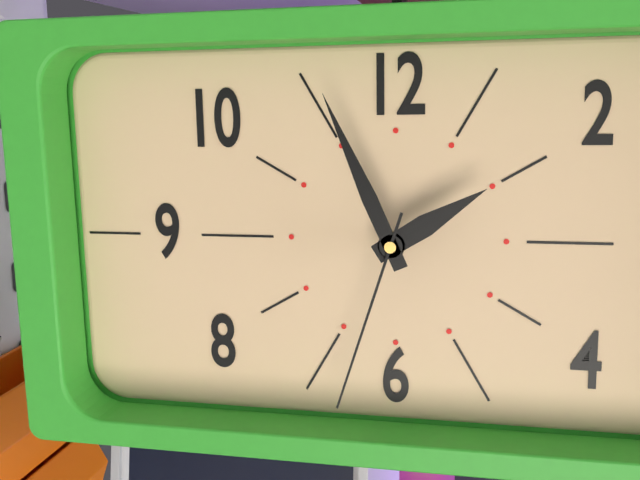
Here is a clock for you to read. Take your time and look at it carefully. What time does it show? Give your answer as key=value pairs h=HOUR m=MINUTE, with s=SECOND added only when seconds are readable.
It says h=1 m=56 s=33
